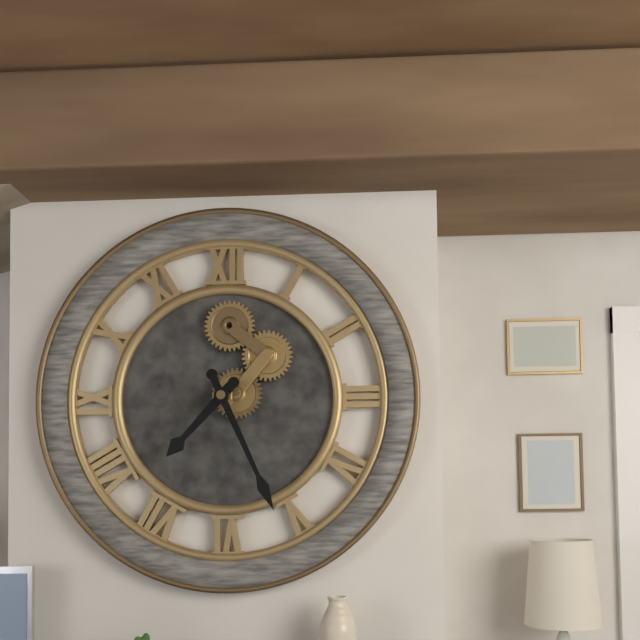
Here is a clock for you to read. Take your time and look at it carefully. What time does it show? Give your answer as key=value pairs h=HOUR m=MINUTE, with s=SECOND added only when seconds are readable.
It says h=7 m=26
